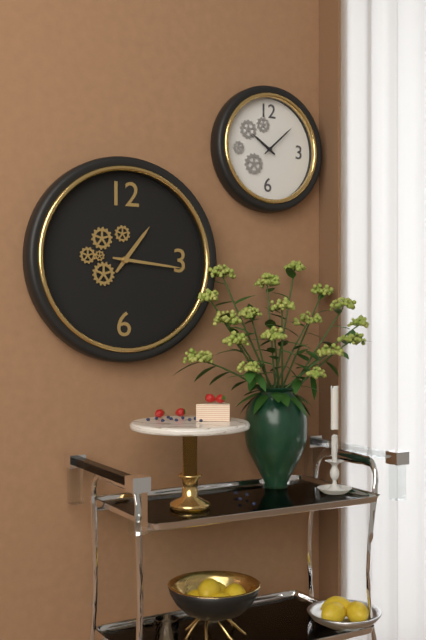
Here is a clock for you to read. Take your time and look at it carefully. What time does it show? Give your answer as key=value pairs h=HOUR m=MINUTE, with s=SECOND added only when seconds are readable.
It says h=1 m=16
